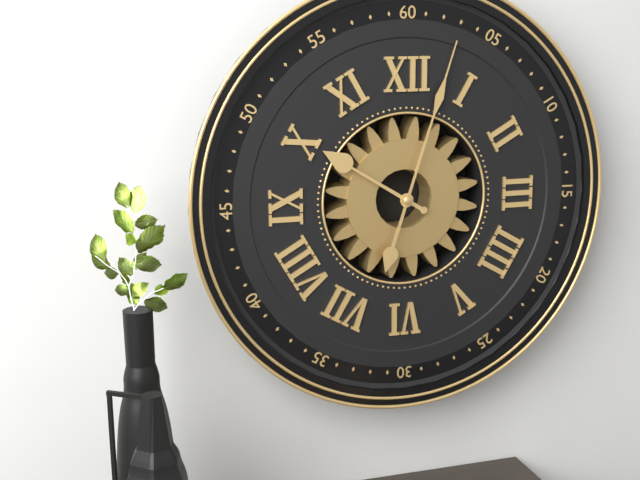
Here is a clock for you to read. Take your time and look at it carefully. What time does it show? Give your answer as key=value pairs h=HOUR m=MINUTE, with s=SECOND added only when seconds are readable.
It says h=10 m=3
